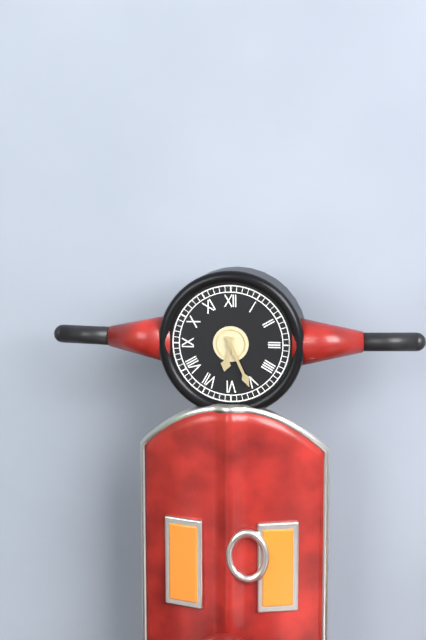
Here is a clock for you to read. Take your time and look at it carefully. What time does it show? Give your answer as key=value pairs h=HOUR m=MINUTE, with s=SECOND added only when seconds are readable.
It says h=6 m=26
